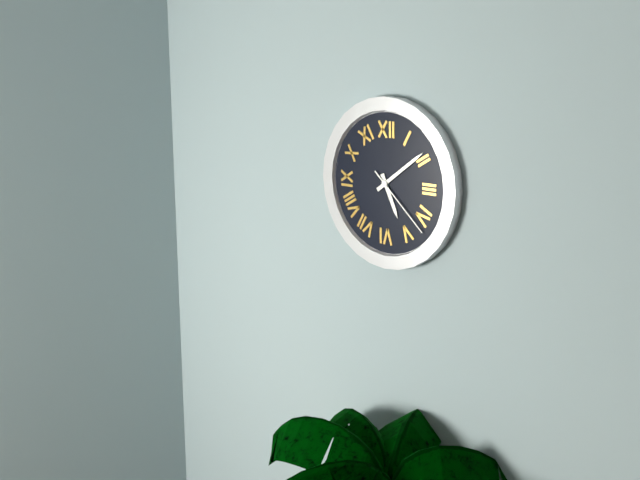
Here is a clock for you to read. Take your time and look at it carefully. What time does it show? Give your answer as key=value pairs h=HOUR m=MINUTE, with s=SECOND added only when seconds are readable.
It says h=5 m=9 s=22
